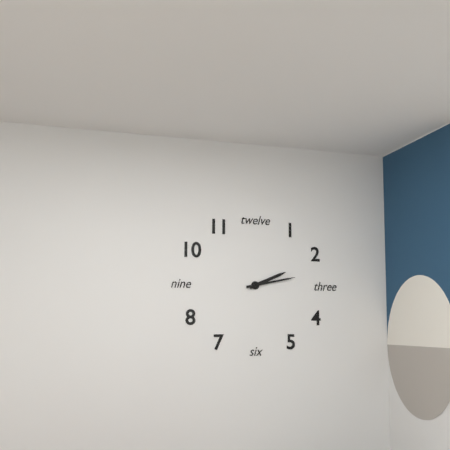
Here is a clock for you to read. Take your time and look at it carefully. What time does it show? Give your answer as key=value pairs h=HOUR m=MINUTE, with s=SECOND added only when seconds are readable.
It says h=2 m=13
